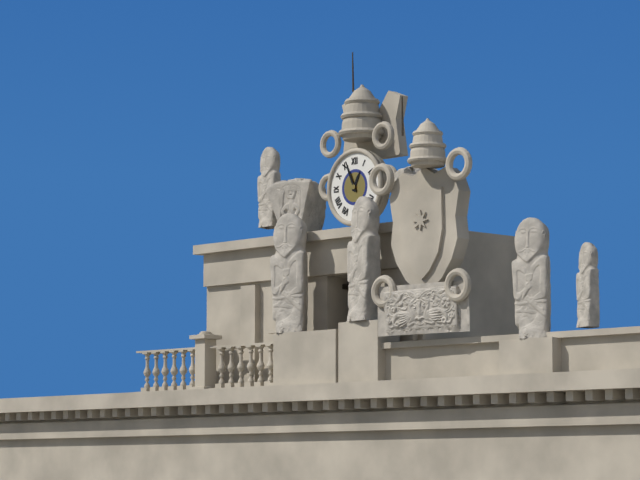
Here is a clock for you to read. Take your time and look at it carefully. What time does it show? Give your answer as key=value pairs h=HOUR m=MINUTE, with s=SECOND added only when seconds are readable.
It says h=12 m=56
